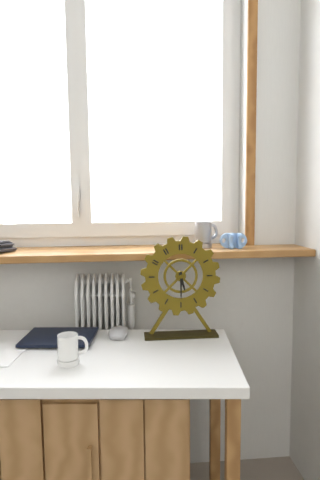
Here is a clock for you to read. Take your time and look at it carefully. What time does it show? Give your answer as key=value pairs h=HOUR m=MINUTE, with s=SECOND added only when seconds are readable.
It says h=5 m=30
